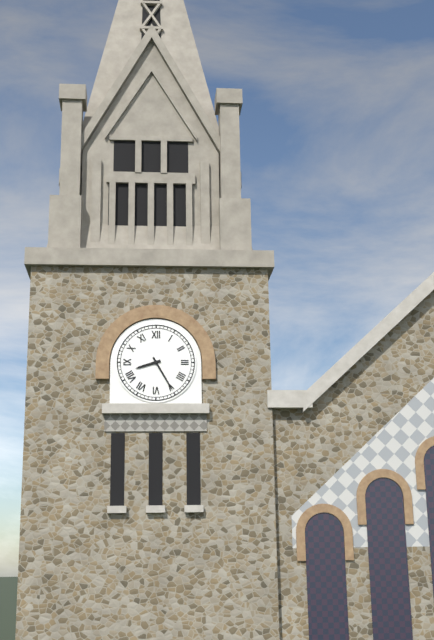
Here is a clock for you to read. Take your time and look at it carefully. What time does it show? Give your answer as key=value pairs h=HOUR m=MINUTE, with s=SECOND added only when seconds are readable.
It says h=8 m=25
